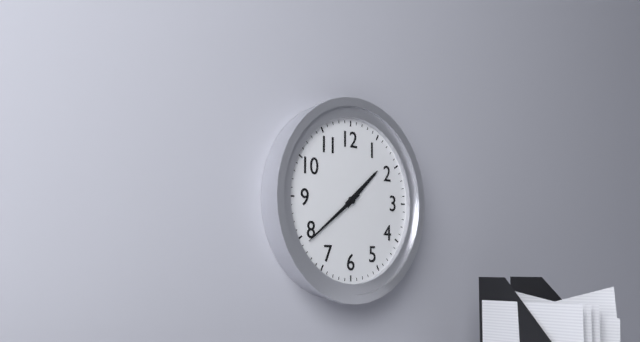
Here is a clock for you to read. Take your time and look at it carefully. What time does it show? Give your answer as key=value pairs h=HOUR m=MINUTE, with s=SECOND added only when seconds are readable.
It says h=1 m=39
